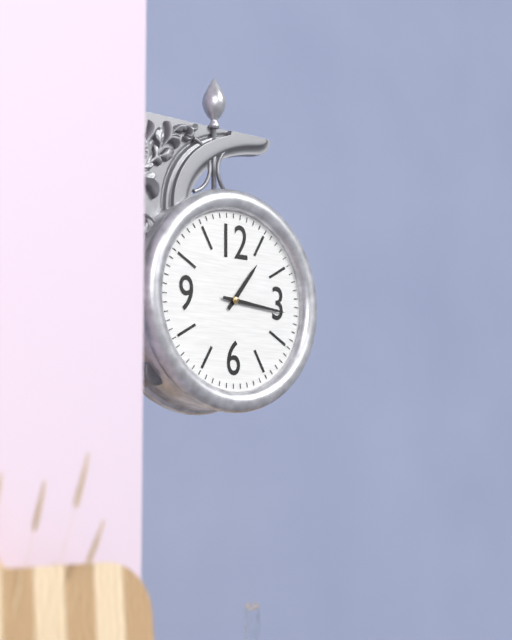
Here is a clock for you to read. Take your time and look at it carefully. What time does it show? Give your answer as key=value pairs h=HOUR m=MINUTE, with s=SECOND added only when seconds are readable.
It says h=1 m=16
